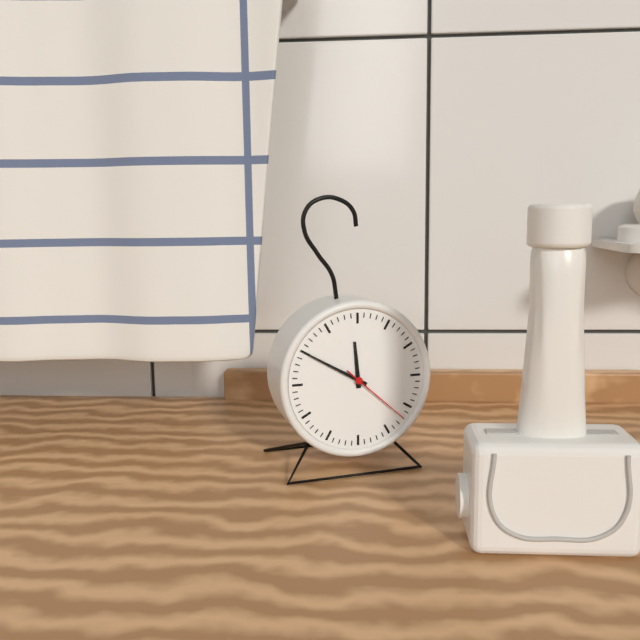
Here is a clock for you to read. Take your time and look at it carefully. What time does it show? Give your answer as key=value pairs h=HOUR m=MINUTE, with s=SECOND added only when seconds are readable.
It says h=11 m=50 s=22
